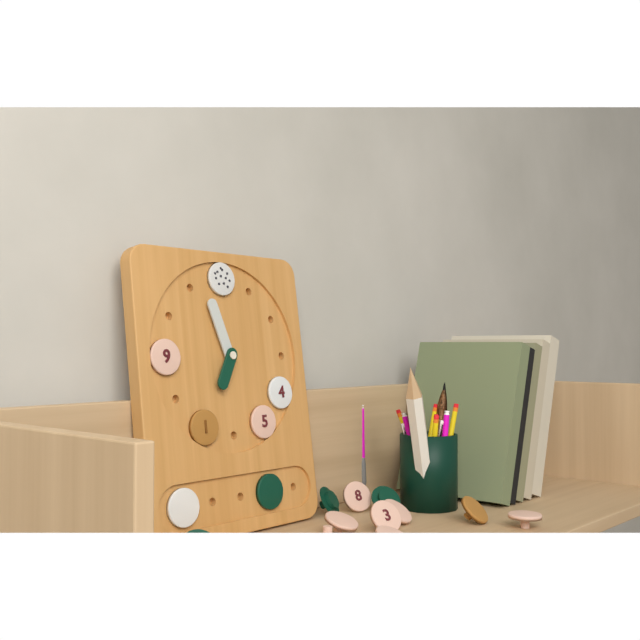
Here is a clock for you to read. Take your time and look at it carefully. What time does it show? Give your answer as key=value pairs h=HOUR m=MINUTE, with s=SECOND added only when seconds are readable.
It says h=6 m=57
